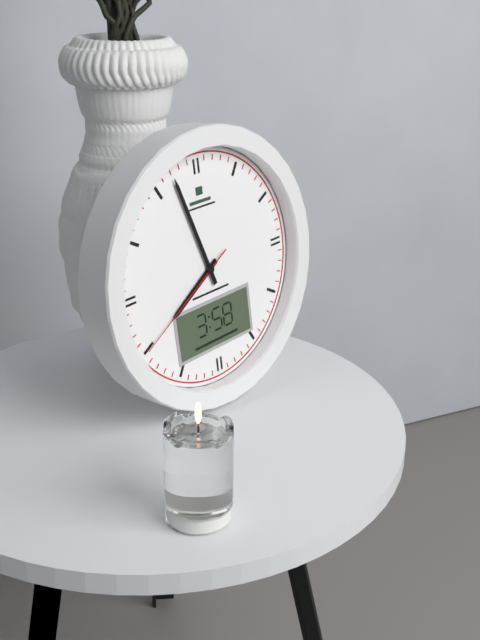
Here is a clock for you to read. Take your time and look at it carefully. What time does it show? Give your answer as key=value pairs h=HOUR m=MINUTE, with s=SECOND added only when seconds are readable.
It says h=7 m=57 s=40
